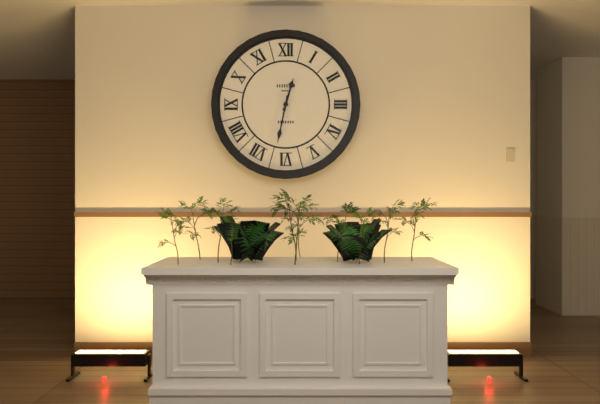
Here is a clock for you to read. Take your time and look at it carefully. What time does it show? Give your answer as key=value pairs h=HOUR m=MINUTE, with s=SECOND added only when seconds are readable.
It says h=12 m=32
